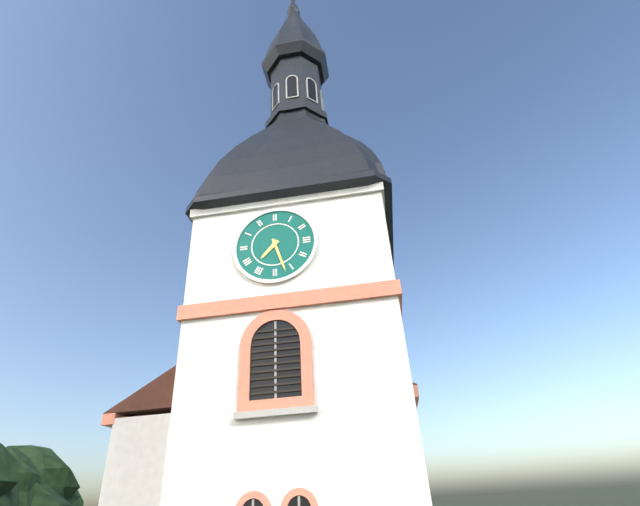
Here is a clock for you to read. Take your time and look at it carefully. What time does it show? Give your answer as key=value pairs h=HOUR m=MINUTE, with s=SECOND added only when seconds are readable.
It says h=7 m=27
